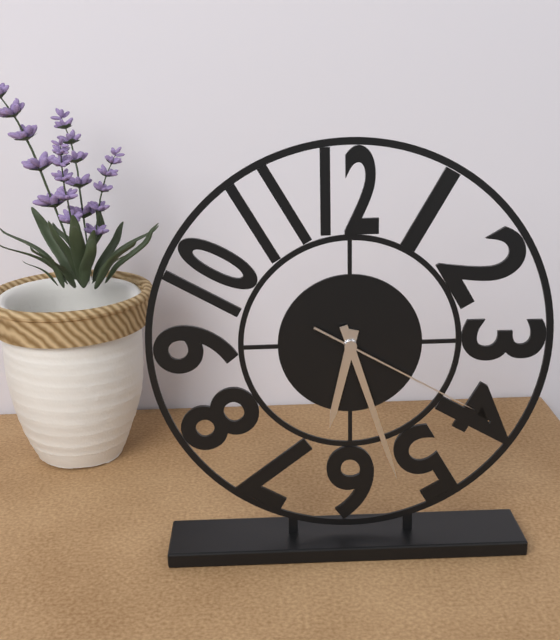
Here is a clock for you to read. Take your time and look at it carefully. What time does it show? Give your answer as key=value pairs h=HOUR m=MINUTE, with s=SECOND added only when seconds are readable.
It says h=6 m=27 s=20
